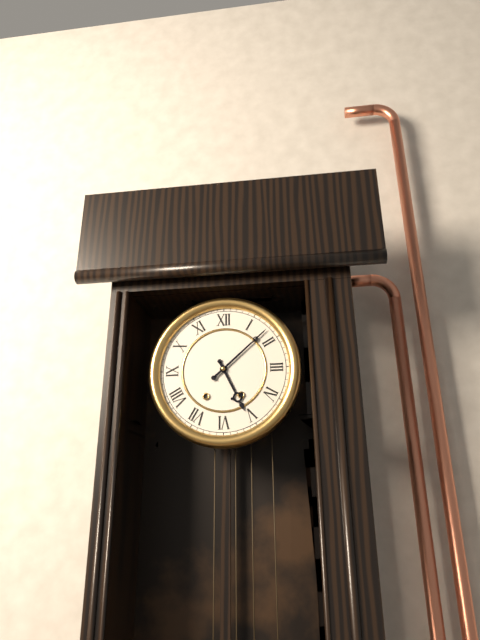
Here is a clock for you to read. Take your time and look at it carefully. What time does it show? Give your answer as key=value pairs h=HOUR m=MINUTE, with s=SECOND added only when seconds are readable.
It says h=5 m=8
